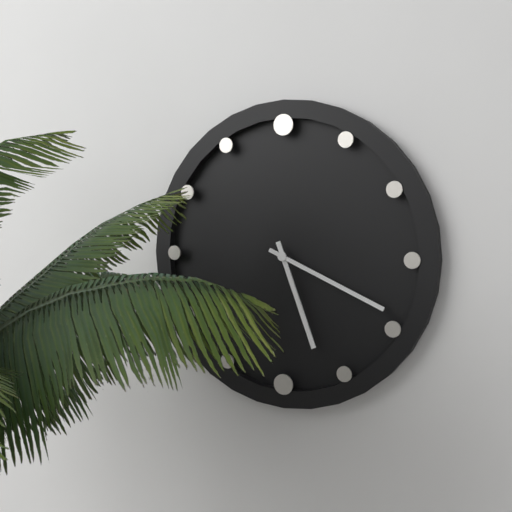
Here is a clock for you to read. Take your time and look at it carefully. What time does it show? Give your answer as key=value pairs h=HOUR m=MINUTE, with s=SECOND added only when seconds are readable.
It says h=5 m=19
